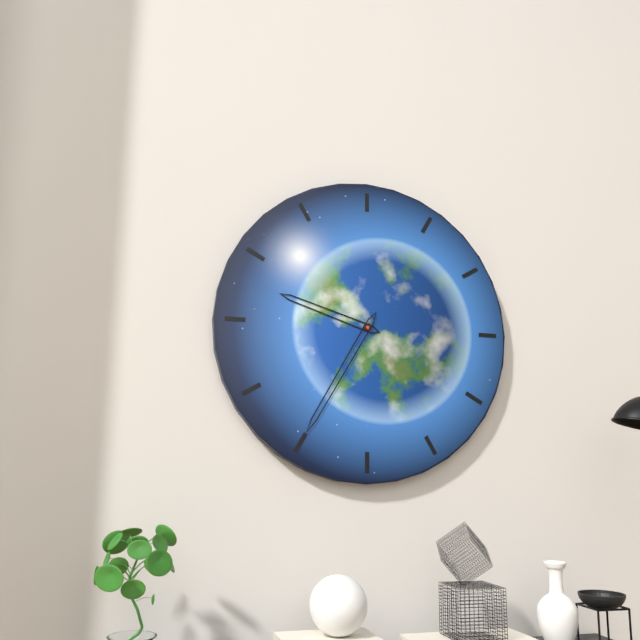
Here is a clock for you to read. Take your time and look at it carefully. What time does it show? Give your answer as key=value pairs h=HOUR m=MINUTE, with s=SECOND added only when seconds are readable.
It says h=9 m=35
